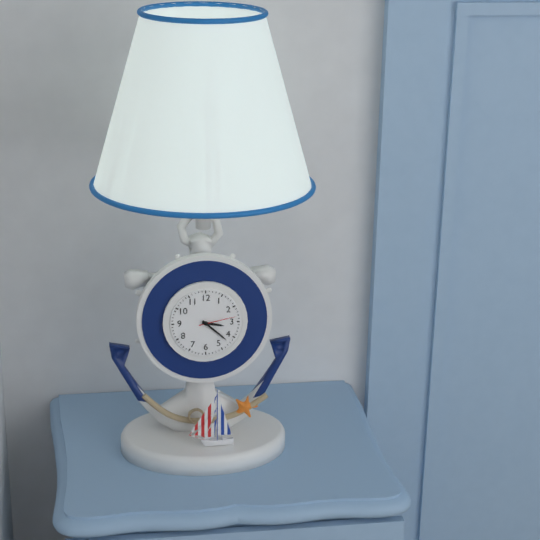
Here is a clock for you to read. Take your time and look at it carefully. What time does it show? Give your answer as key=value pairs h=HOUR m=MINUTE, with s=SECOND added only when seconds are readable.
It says h=3 m=22
